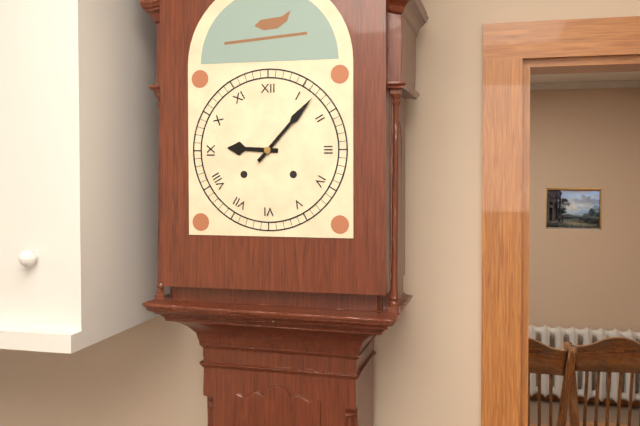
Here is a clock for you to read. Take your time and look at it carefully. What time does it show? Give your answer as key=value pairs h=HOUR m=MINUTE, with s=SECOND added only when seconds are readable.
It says h=9 m=7
